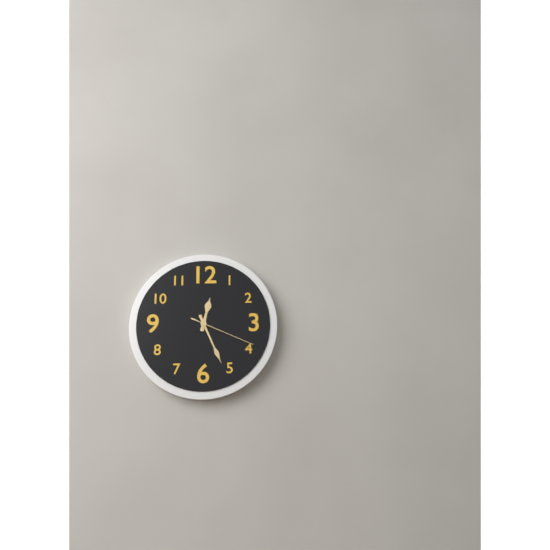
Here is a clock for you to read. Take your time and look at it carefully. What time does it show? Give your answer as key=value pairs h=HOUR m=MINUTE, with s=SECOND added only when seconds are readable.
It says h=12 m=26 s=19
